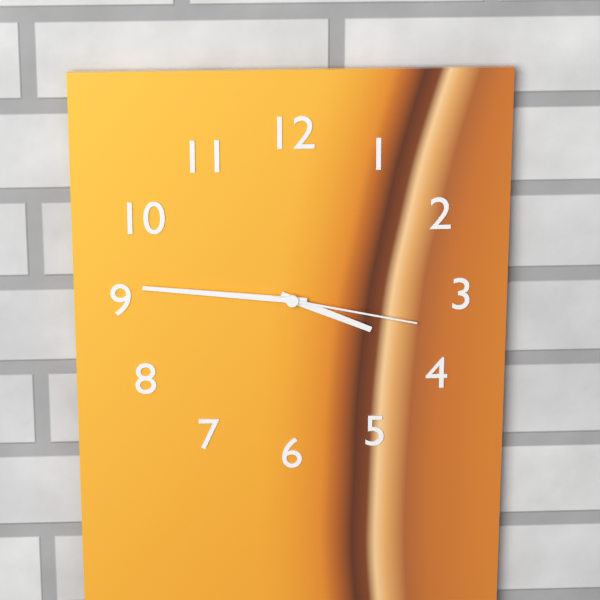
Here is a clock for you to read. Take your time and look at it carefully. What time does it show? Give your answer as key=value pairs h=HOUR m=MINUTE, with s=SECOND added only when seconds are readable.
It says h=3 m=46 s=17
